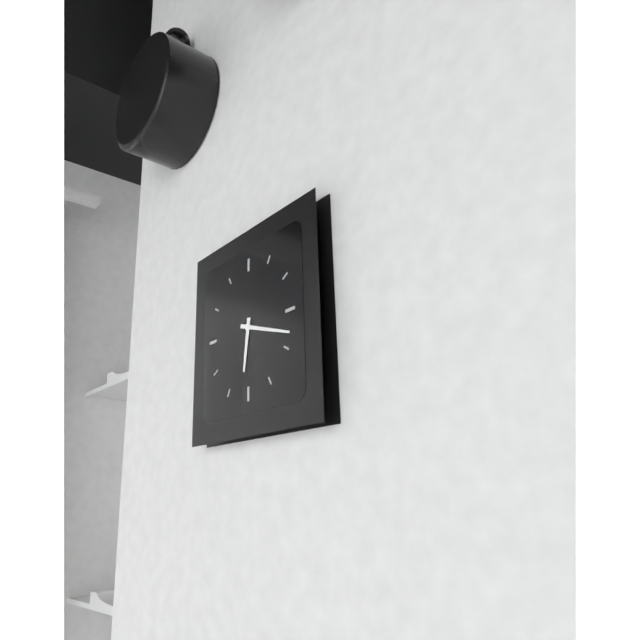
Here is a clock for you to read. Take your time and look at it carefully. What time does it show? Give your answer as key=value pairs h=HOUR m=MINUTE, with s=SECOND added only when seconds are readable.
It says h=6 m=18
